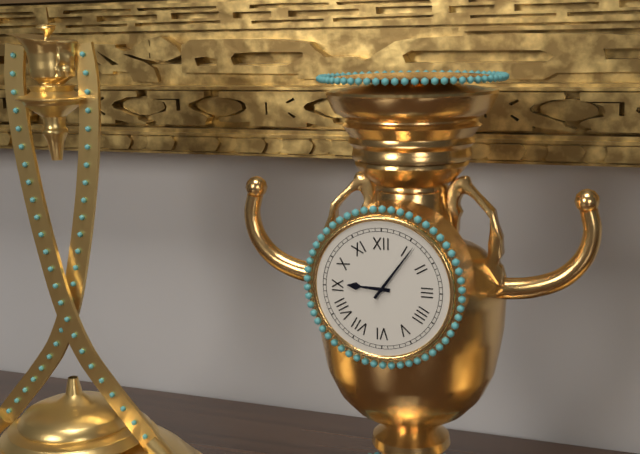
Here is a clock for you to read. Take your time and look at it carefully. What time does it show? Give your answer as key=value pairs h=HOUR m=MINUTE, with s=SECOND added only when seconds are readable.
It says h=9 m=6
